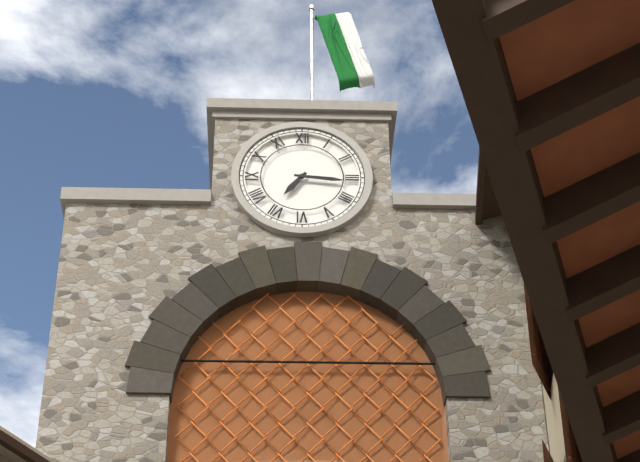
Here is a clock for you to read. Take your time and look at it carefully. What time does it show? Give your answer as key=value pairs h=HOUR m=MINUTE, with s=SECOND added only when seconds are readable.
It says h=7 m=16
